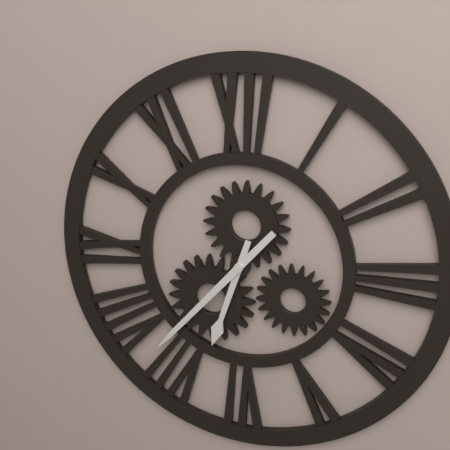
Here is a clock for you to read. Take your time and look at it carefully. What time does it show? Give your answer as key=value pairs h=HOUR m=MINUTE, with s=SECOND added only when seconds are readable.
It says h=6 m=37
